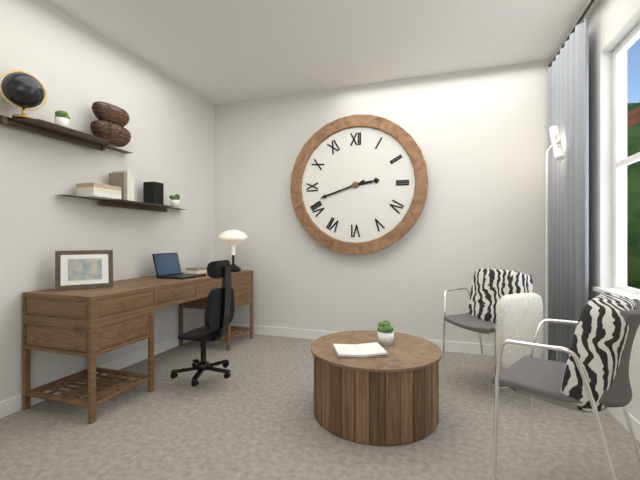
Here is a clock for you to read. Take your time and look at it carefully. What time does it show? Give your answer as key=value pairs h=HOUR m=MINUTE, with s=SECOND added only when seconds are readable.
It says h=2 m=42
